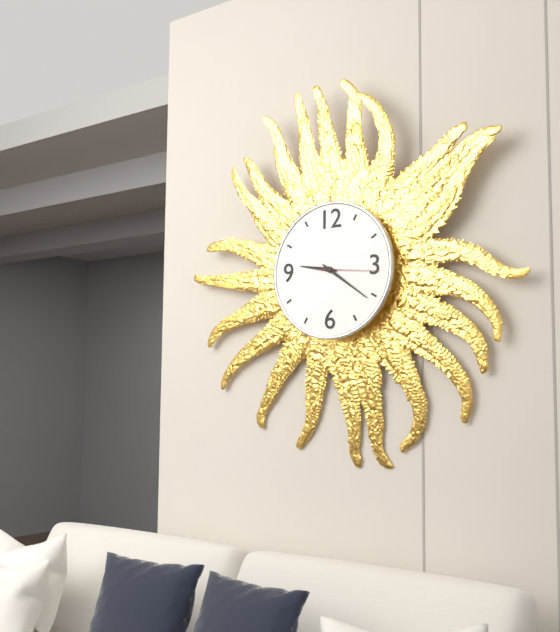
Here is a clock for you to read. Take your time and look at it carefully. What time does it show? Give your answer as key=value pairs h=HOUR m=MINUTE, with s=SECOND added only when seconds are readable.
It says h=9 m=21 s=16
